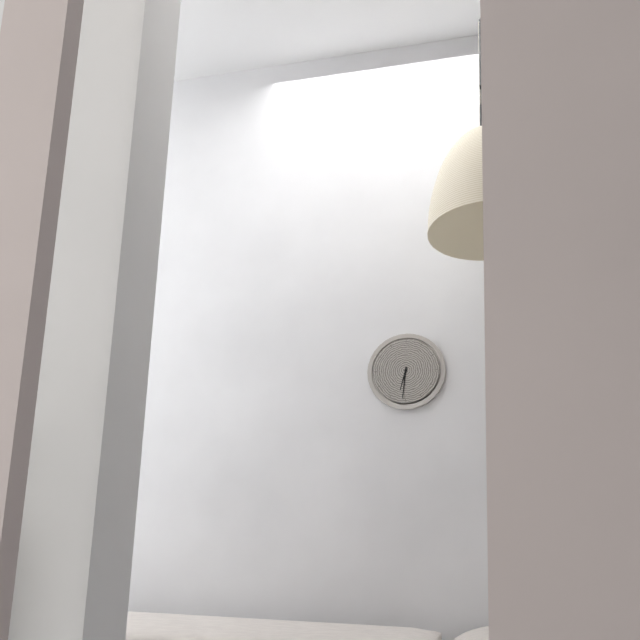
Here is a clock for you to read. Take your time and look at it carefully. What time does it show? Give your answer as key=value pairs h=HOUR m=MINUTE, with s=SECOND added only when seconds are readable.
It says h=6 m=31
